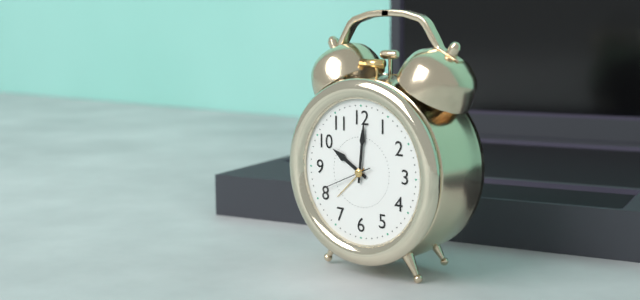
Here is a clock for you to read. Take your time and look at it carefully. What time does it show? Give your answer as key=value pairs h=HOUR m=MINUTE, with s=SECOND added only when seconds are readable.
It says h=10 m=1
